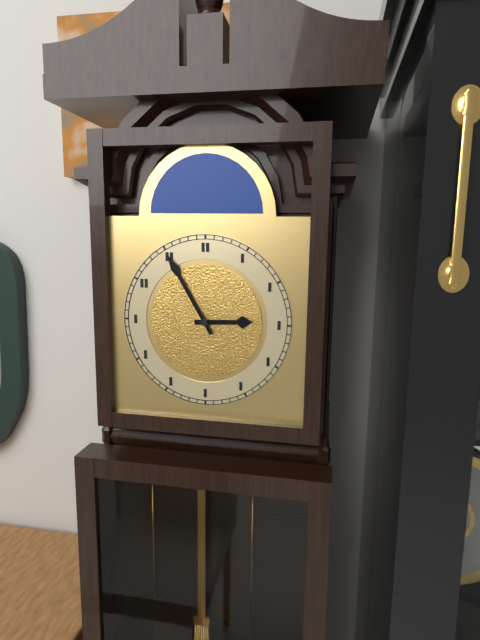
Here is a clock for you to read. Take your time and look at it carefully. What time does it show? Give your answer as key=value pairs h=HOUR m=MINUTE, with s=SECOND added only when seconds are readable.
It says h=2 m=55
